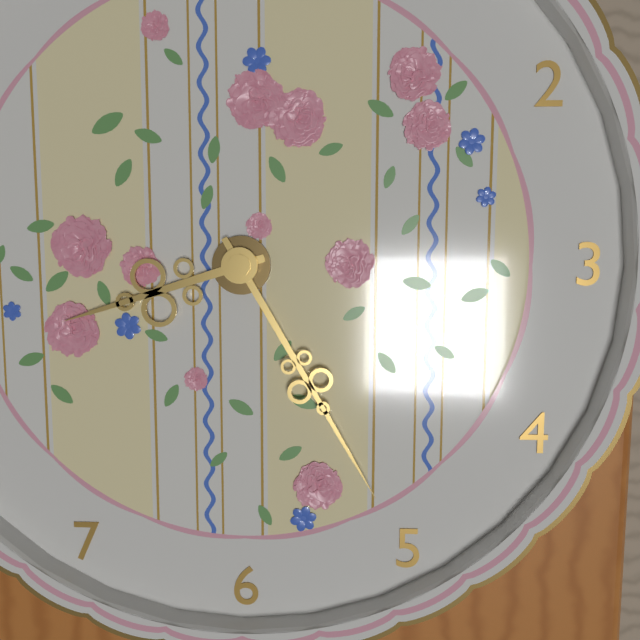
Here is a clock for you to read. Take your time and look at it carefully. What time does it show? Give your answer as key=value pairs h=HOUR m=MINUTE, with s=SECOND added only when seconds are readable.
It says h=8 m=25
